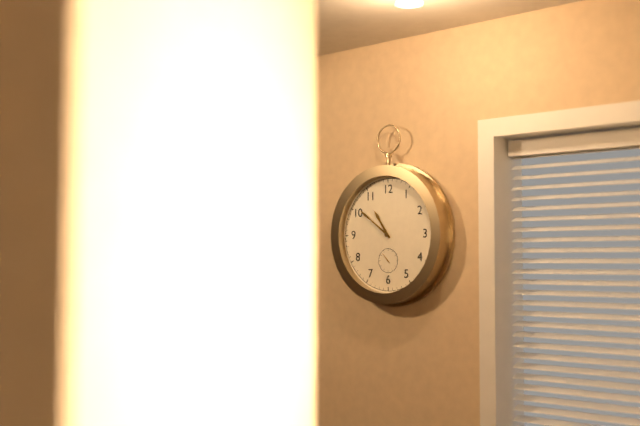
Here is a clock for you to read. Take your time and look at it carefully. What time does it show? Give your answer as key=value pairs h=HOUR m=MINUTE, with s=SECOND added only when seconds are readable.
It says h=10 m=51
